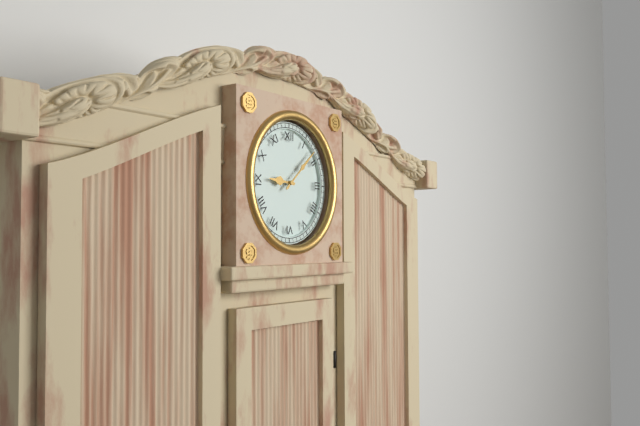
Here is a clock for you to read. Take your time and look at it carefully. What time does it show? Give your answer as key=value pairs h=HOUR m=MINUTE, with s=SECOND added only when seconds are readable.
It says h=9 m=8
